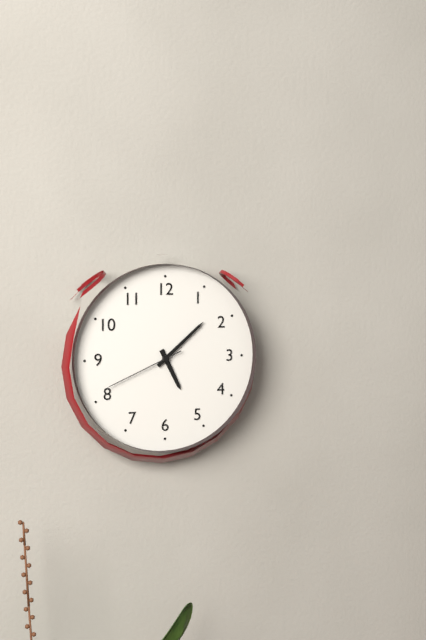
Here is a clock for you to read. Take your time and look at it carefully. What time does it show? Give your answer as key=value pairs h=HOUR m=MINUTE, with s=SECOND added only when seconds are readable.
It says h=5 m=8 s=41
